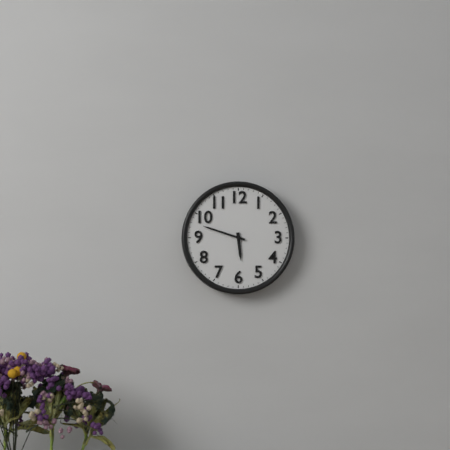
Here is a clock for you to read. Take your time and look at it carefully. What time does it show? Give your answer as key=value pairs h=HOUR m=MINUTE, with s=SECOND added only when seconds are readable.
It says h=5 m=48
